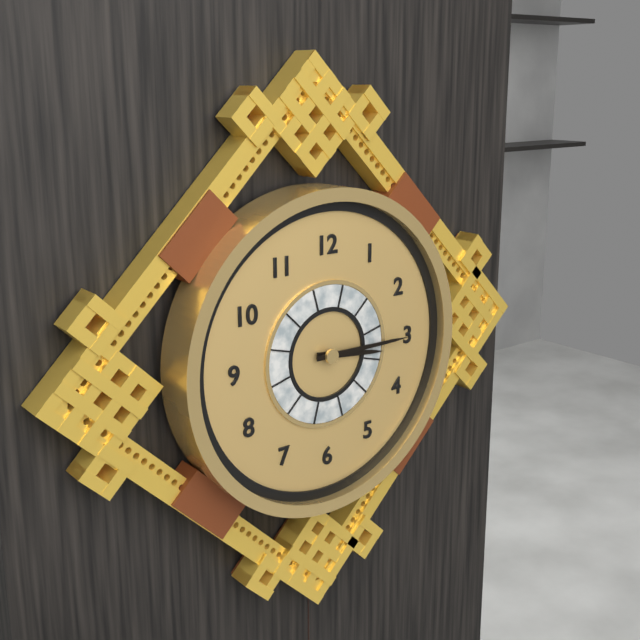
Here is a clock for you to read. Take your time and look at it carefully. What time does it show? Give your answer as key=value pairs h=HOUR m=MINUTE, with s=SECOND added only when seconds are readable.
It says h=3 m=15
